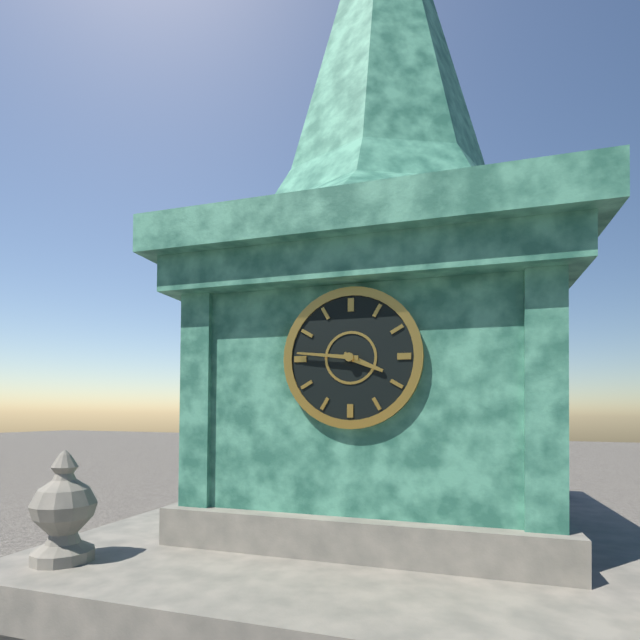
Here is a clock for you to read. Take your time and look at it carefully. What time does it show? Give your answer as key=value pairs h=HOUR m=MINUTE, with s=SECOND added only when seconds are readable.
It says h=3 m=46
